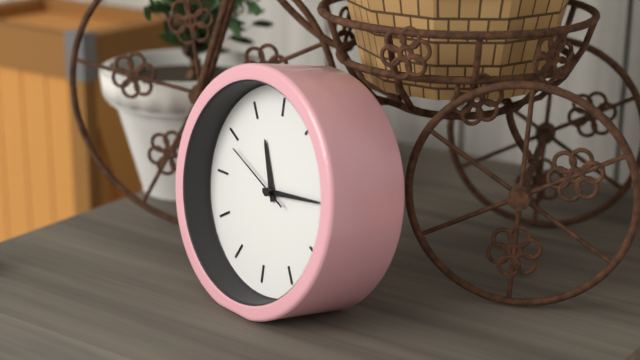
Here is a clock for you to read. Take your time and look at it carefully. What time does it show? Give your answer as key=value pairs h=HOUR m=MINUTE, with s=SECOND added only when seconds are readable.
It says h=11 m=14 s=49
